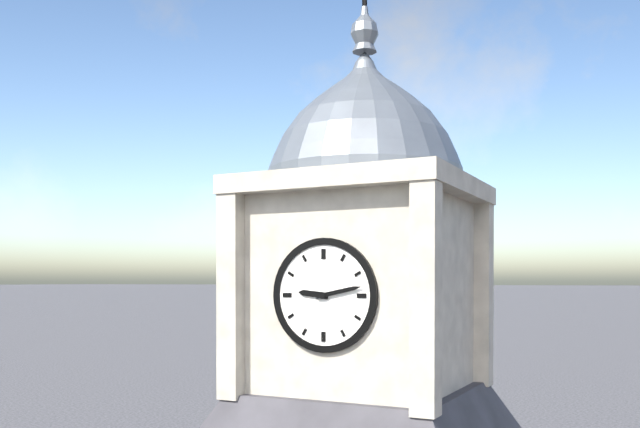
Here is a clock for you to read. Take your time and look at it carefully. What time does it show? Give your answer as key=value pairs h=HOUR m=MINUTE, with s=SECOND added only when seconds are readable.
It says h=9 m=13
